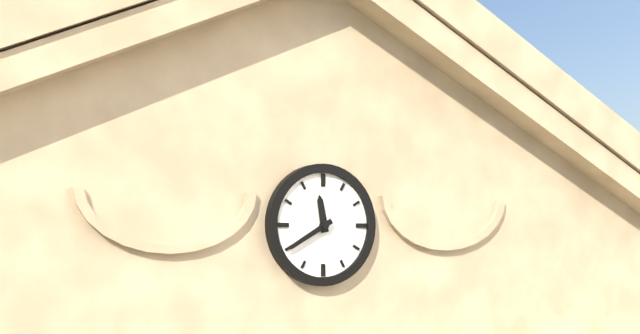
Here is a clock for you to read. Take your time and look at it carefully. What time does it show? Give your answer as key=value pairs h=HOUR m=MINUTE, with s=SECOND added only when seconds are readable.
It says h=11 m=40
